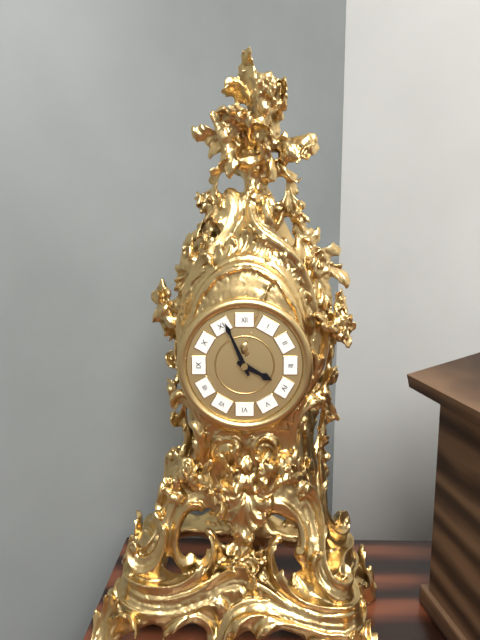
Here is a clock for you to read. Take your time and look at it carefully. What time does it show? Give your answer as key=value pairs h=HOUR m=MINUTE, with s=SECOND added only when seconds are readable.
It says h=3 m=56
